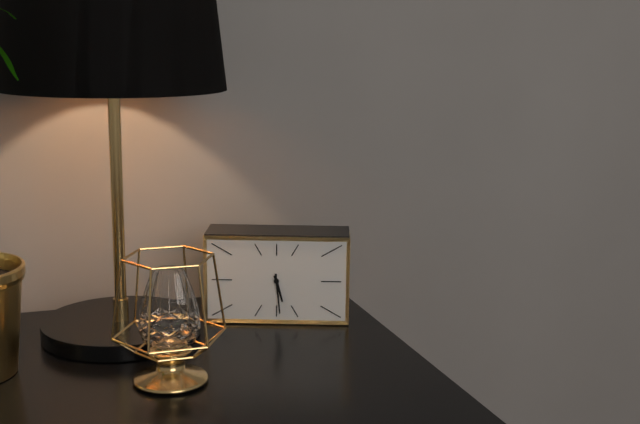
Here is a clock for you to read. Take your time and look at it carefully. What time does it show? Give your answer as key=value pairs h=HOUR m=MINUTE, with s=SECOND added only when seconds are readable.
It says h=5 m=29
